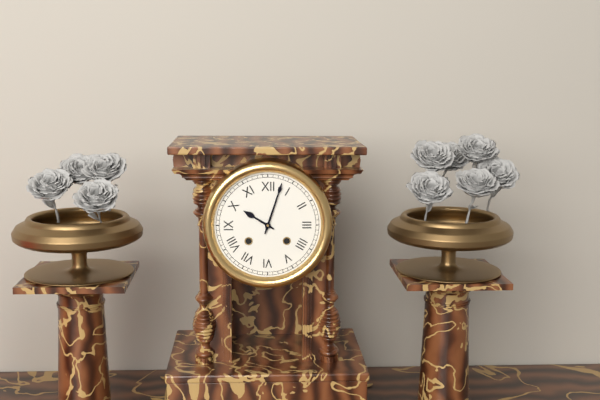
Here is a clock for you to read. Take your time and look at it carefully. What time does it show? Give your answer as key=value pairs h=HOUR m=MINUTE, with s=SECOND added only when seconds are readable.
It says h=10 m=3
